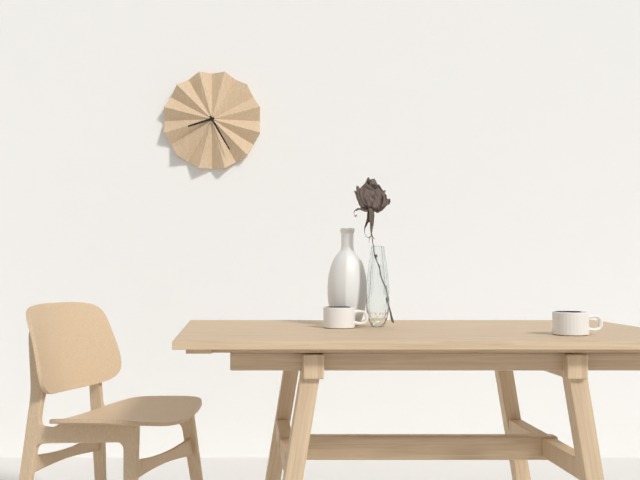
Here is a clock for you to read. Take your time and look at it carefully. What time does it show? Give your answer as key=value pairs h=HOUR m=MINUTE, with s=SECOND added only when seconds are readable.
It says h=8 m=25
